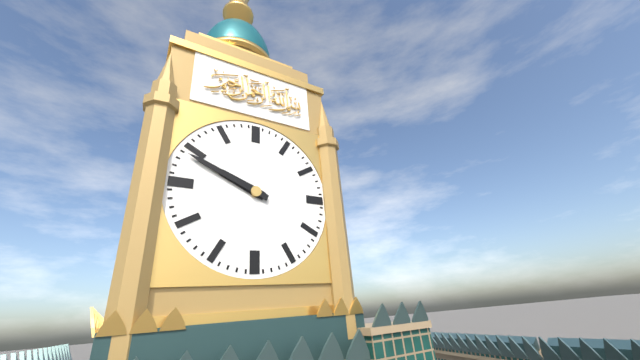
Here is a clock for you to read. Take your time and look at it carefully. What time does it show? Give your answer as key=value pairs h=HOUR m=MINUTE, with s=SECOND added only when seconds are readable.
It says h=9 m=49
